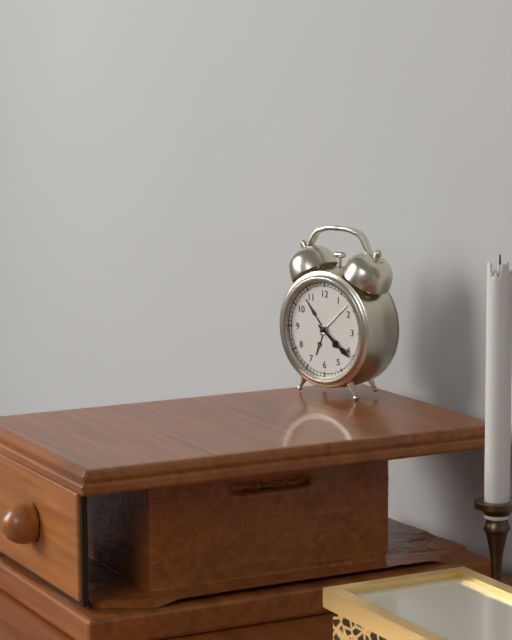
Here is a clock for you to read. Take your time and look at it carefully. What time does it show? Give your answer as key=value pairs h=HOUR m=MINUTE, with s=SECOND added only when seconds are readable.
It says h=4 m=21
